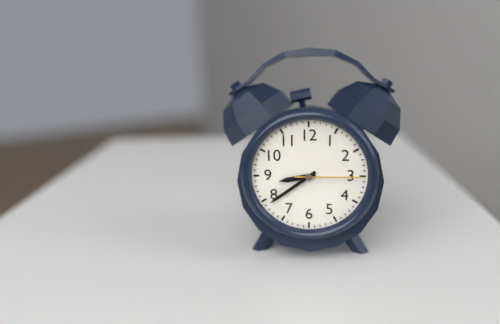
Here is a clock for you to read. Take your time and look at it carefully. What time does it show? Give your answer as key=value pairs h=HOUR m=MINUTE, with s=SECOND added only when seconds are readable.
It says h=8 m=39 s=15
